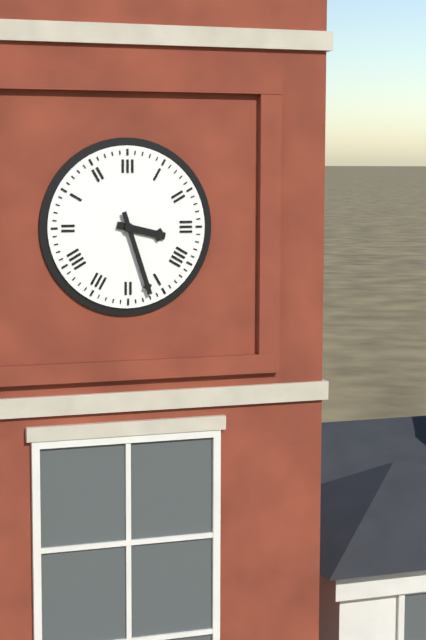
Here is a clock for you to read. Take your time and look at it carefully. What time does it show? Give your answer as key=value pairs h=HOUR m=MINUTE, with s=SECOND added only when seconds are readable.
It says h=3 m=27
